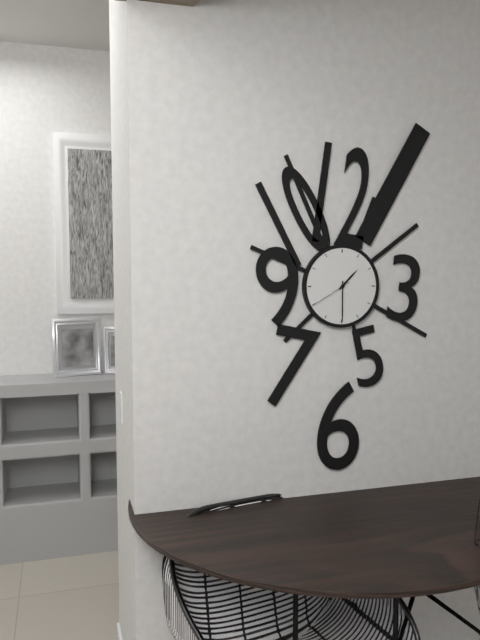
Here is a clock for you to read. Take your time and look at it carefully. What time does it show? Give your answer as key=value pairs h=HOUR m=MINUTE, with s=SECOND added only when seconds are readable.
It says h=1 m=30
